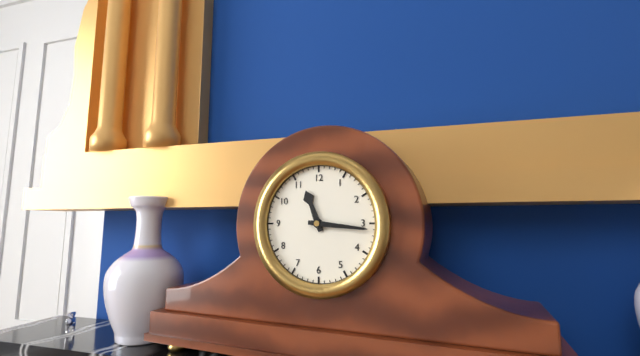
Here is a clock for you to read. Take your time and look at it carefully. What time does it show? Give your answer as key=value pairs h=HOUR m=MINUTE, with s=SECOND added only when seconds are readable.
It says h=11 m=16
